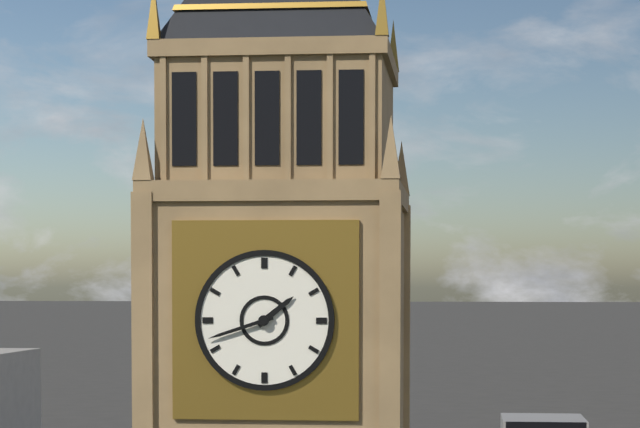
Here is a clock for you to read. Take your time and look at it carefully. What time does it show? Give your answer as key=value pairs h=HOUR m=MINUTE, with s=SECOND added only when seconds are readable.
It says h=1 m=42
